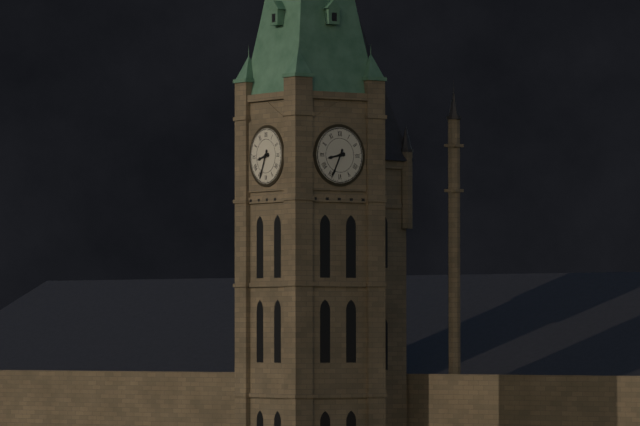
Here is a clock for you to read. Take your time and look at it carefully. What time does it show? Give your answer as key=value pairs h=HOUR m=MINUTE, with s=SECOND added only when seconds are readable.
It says h=8 m=34
